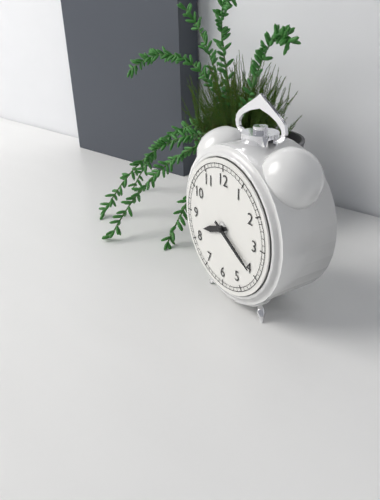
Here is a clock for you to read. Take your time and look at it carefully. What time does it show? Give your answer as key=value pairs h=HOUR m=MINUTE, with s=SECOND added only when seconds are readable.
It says h=8 m=20
